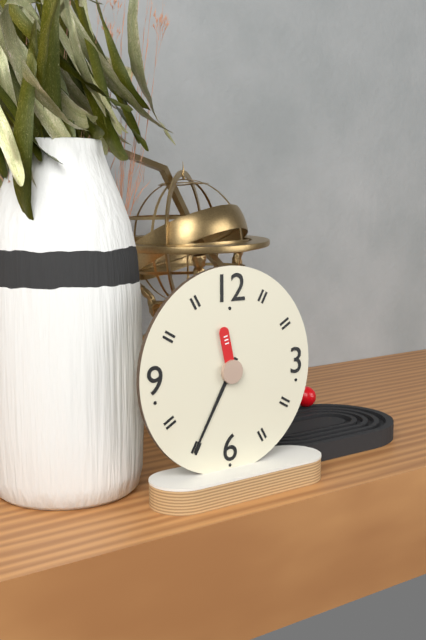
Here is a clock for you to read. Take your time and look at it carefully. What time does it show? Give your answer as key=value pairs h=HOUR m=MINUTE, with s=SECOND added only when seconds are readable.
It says h=11 m=35
